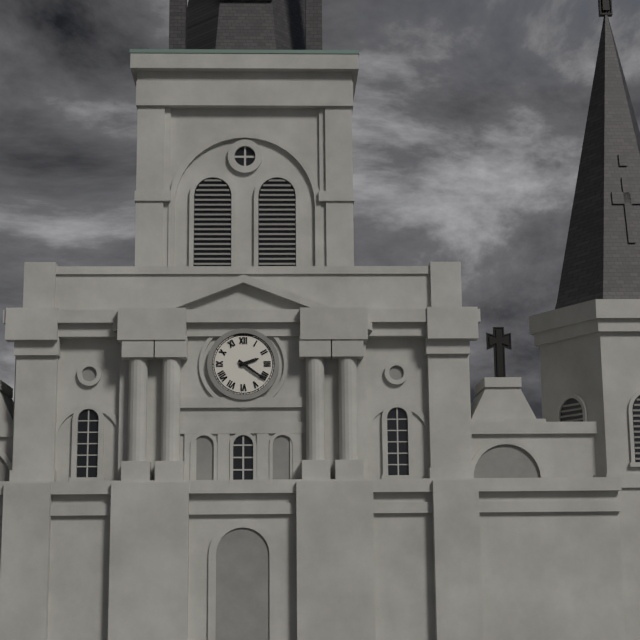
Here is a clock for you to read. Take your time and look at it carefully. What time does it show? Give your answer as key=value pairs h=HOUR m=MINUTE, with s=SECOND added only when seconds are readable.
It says h=2 m=21
